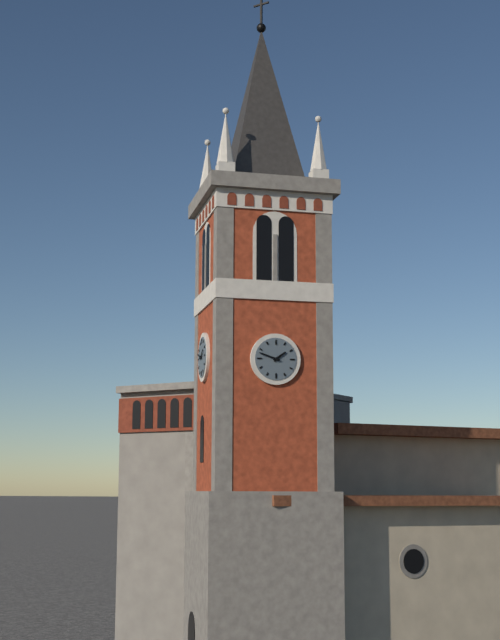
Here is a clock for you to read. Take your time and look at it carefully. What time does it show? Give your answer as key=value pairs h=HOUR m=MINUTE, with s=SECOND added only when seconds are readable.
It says h=1 m=48
